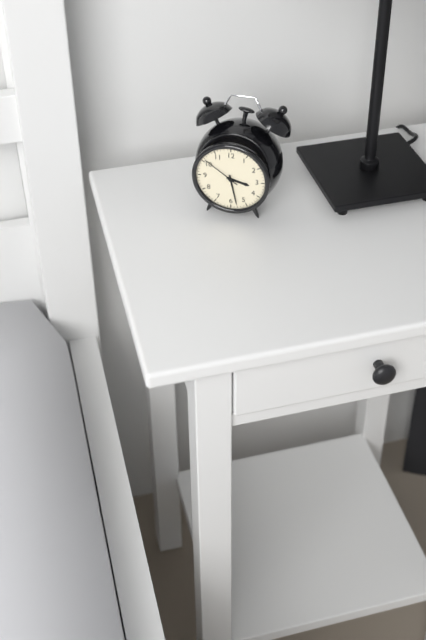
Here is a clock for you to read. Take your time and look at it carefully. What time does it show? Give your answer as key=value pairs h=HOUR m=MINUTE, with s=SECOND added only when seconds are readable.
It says h=3 m=28
